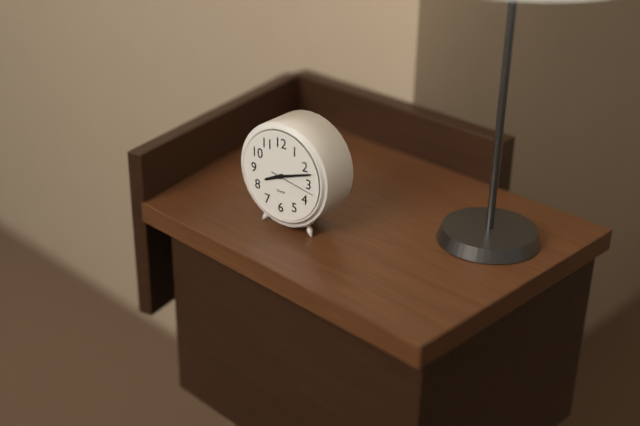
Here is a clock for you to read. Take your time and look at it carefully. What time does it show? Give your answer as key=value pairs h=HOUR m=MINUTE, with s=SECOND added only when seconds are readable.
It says h=8 m=12
